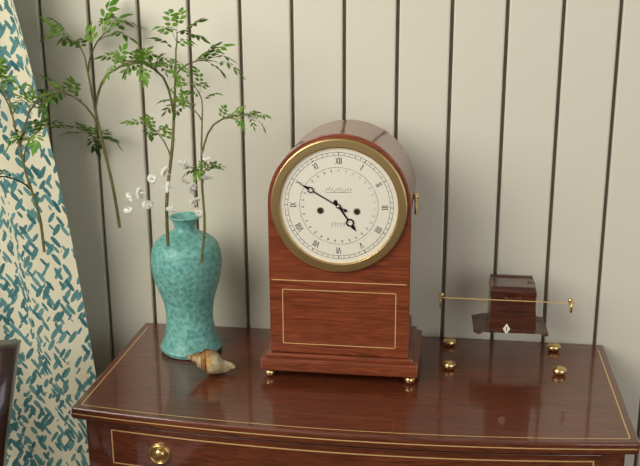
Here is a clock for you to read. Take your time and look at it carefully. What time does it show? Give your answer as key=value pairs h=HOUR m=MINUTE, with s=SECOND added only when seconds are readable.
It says h=4 m=50
